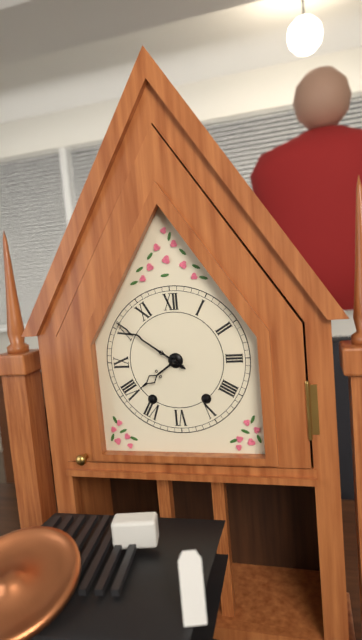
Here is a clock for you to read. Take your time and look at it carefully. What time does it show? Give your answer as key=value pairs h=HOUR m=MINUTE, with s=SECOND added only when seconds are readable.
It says h=7 m=51
